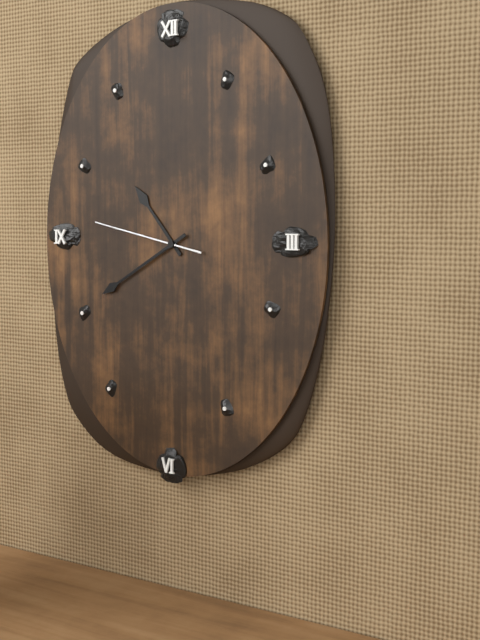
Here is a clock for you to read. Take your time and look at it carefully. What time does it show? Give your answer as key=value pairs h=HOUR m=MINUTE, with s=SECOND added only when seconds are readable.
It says h=10 m=40 s=47
